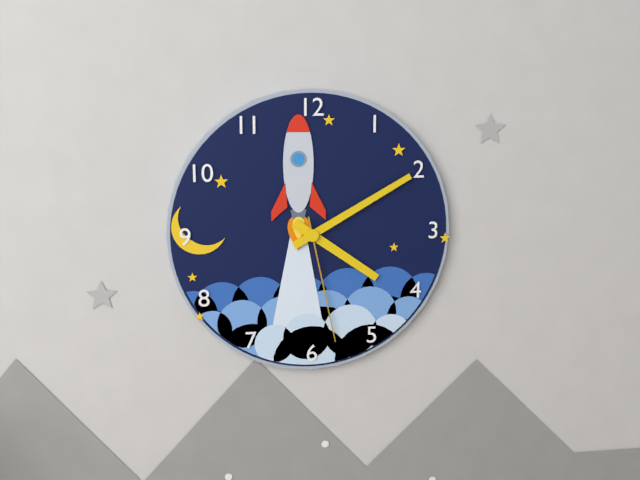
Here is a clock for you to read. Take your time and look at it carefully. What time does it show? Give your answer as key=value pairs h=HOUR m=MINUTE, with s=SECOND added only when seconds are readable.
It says h=4 m=10 s=28
